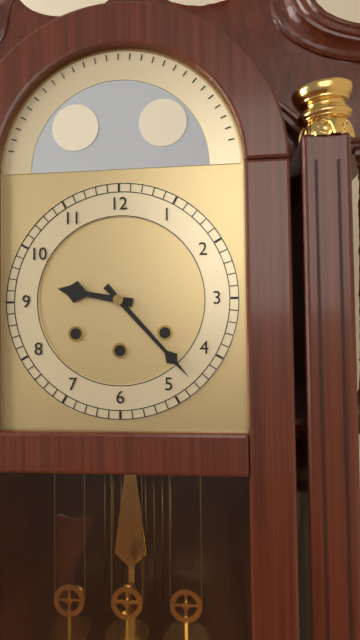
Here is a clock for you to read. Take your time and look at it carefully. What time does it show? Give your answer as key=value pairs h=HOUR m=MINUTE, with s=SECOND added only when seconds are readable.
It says h=9 m=23
